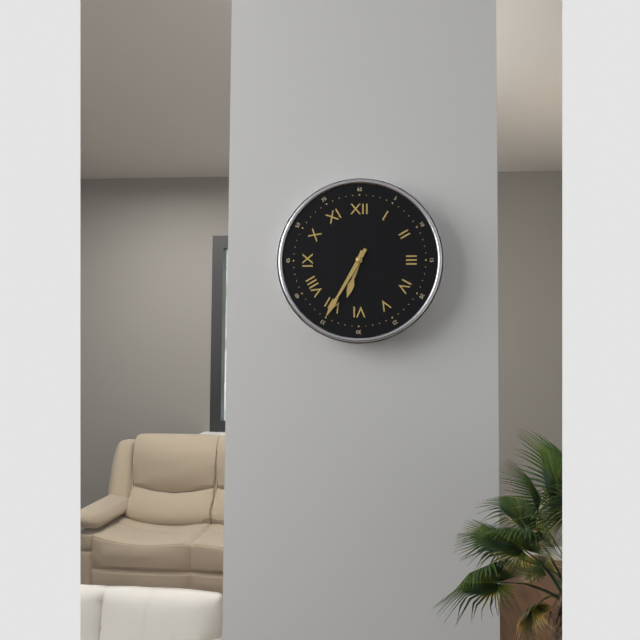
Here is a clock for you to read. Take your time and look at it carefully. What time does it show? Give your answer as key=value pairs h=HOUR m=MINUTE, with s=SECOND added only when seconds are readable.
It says h=6 m=35
